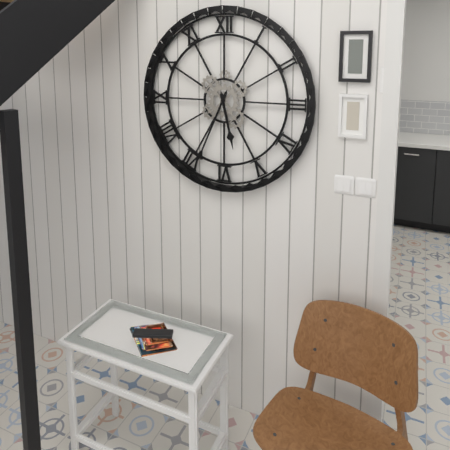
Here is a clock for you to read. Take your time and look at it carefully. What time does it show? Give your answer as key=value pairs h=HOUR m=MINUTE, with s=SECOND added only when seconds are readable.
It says h=5 m=34
